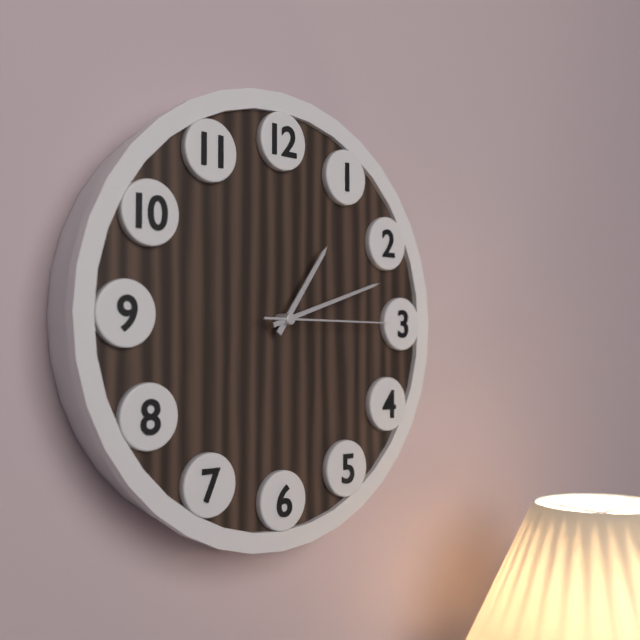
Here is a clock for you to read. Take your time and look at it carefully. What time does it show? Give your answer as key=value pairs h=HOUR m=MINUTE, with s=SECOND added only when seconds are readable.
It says h=1 m=12 s=15
